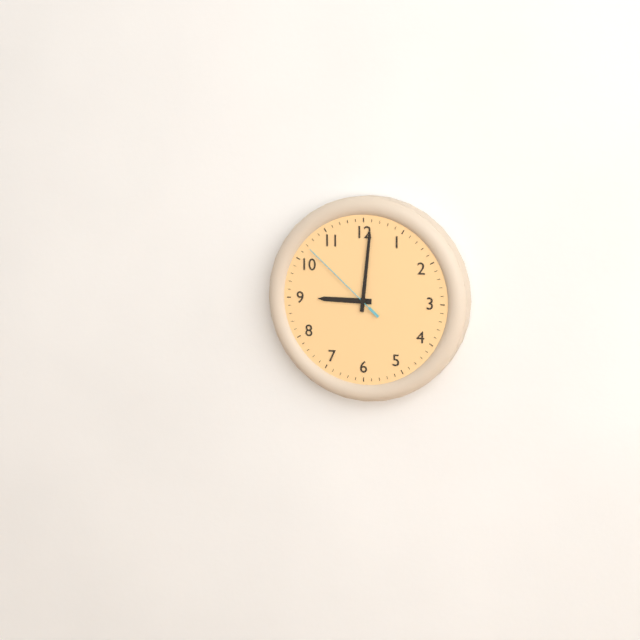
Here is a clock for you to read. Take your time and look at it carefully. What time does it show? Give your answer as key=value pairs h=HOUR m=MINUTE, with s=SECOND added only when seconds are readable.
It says h=9 m=1 s=52
